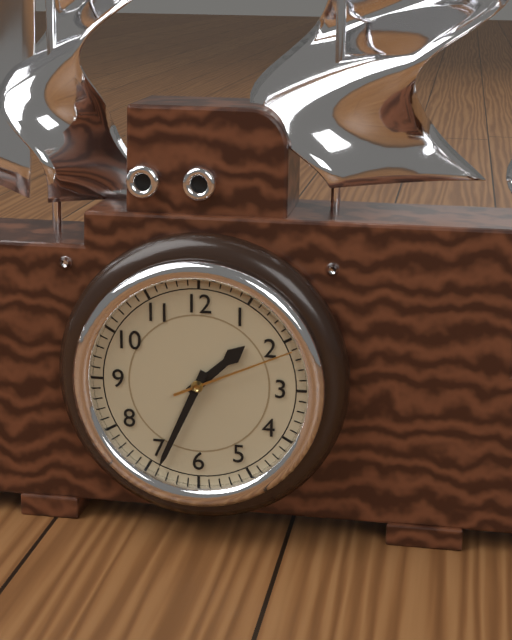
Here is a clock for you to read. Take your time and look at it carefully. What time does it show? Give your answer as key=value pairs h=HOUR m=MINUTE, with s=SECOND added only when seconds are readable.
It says h=1 m=34 s=11
